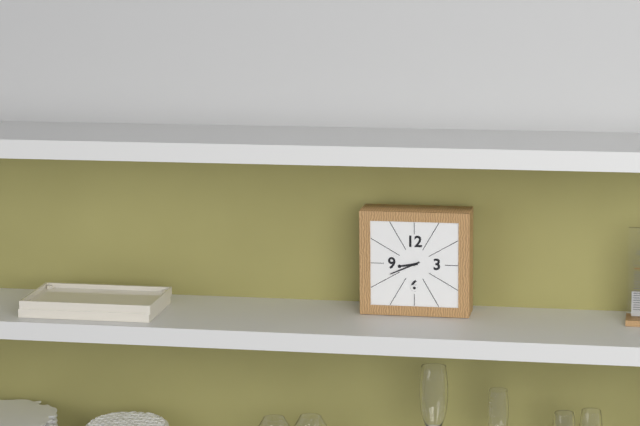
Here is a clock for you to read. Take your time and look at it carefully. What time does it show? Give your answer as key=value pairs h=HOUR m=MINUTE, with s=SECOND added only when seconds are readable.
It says h=8 m=41
